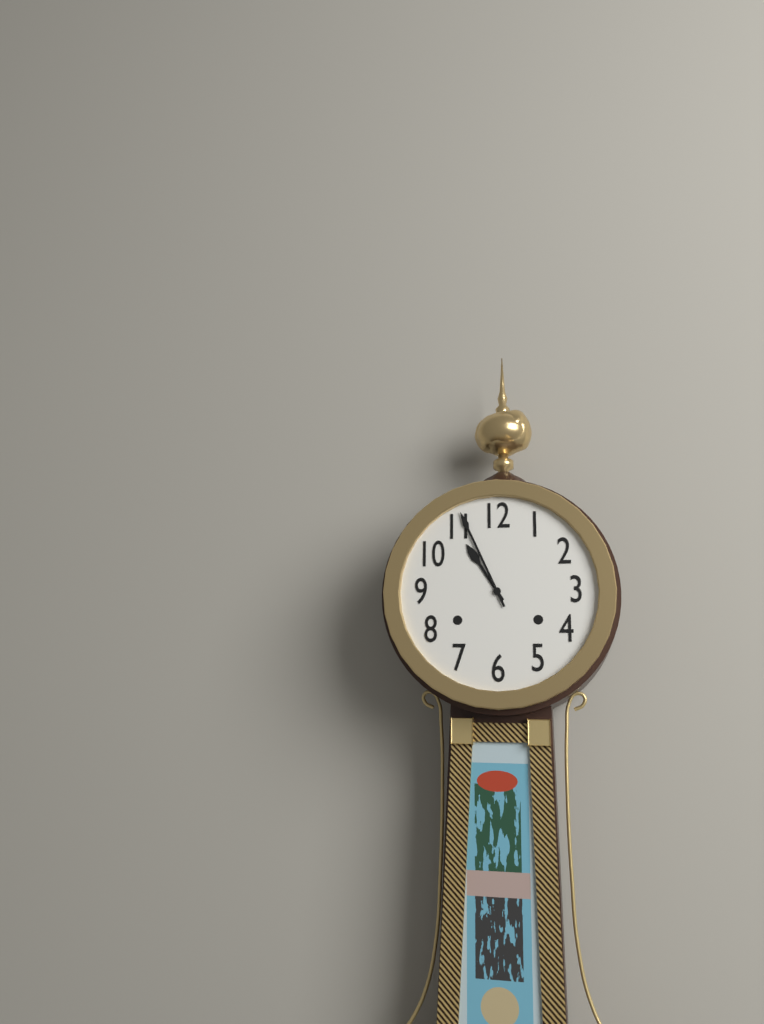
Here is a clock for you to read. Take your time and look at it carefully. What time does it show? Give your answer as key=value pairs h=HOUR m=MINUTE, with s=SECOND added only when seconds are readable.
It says h=10 m=56
